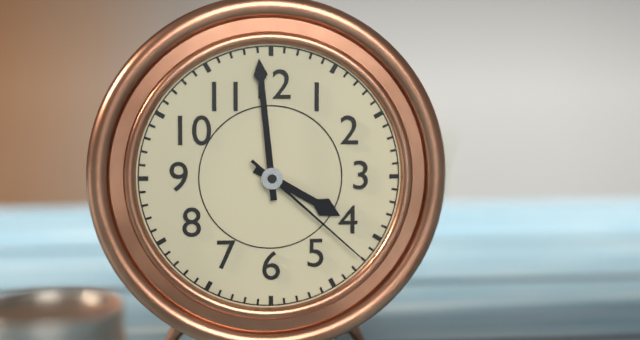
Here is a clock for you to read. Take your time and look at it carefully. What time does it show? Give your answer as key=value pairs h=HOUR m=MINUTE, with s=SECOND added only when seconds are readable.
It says h=3 m=59 s=22
